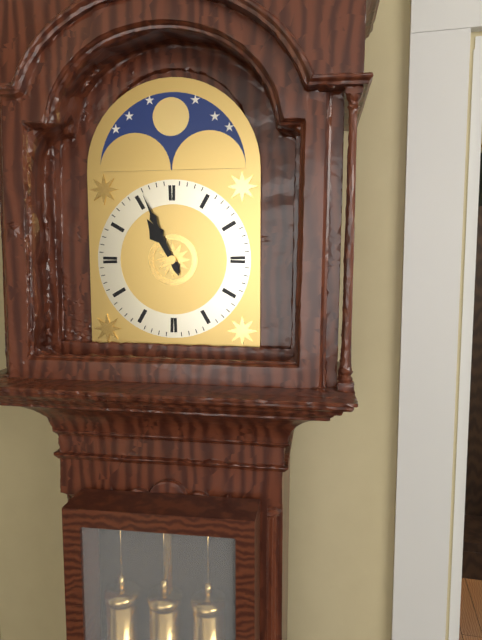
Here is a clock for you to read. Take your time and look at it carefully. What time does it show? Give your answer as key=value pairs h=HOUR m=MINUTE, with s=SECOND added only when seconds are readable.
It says h=10 m=56
